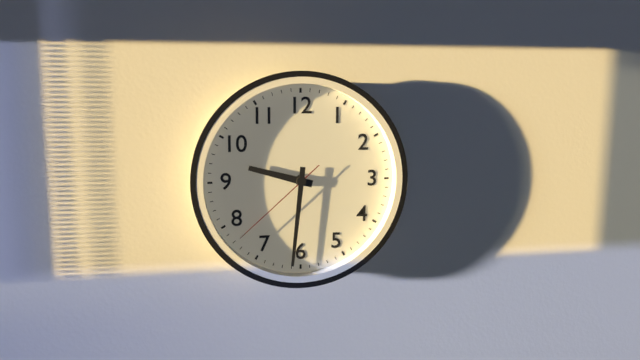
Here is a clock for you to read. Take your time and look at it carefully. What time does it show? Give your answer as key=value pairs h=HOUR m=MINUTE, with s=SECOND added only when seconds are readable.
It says h=9 m=31 s=38
